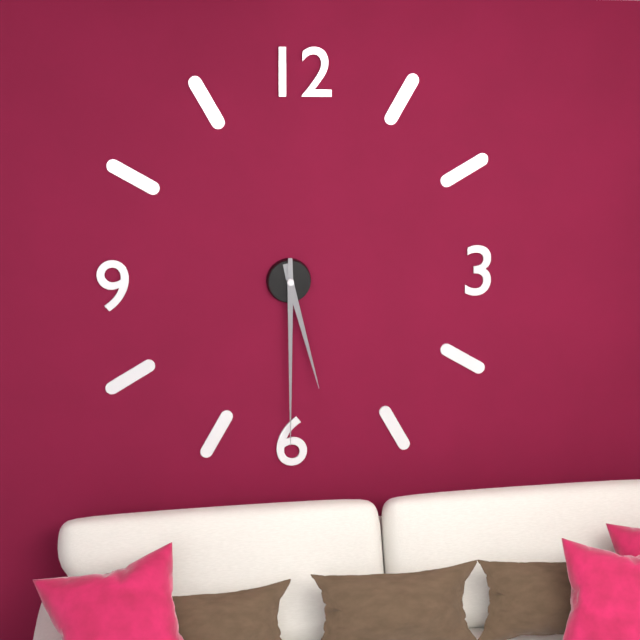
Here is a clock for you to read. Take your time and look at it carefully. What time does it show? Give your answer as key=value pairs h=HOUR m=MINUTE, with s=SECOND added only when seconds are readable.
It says h=5 m=30
